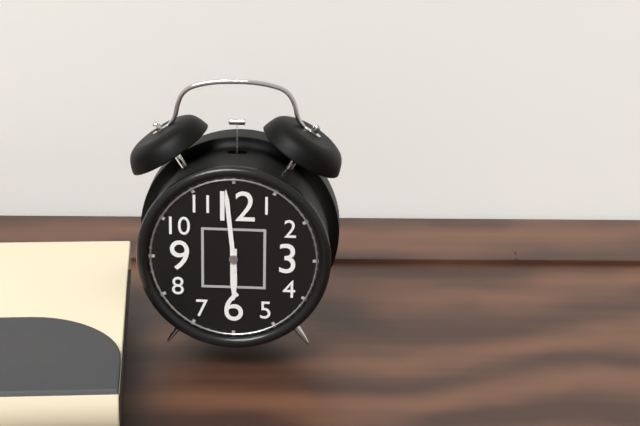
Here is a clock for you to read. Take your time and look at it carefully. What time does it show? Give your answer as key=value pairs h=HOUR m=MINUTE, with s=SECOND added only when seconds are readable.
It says h=5 m=59
